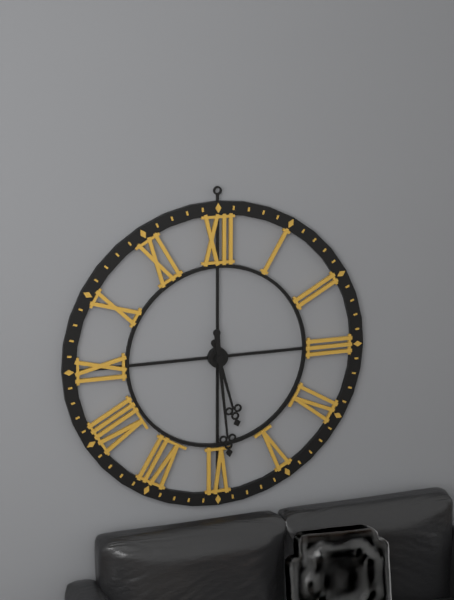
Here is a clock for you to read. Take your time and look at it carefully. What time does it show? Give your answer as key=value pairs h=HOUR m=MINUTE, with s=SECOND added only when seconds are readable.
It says h=5 m=29
